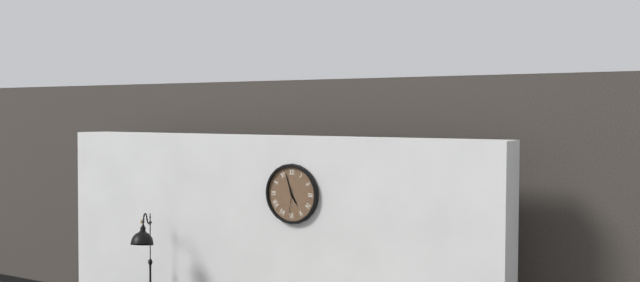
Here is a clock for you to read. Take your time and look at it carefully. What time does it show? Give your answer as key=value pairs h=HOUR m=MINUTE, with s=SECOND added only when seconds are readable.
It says h=4 m=57
